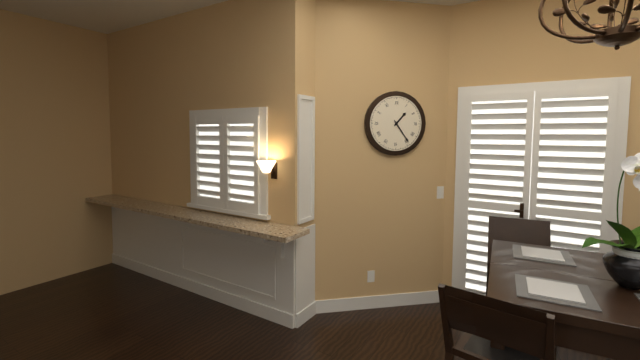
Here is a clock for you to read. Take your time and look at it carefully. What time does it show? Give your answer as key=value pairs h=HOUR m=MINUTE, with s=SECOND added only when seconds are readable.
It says h=1 m=24
